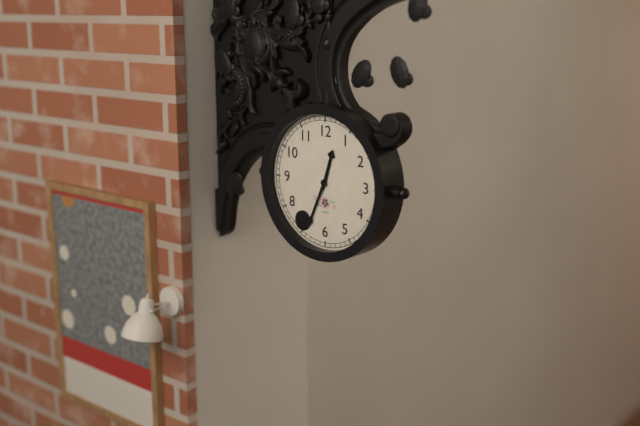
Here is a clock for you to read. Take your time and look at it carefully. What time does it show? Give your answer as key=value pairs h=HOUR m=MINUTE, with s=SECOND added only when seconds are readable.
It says h=12 m=34
